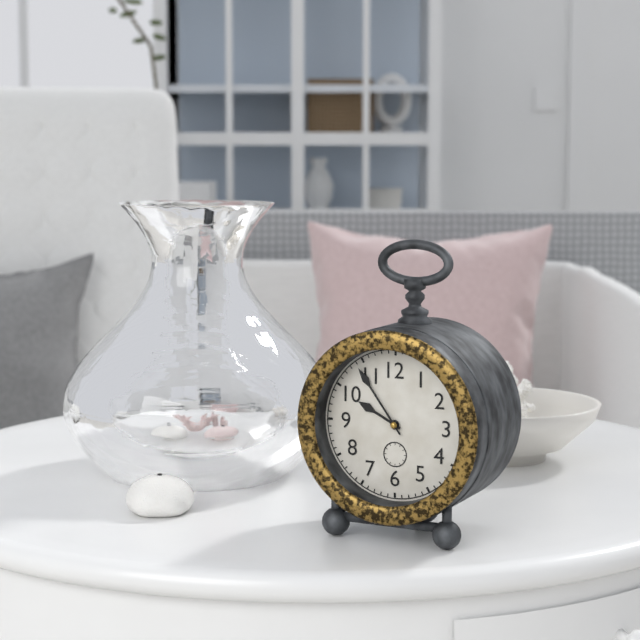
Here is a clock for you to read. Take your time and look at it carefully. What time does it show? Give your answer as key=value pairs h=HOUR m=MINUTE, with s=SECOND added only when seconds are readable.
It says h=9 m=54
